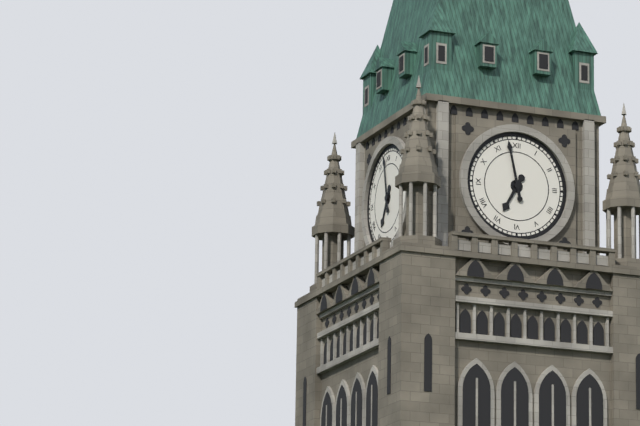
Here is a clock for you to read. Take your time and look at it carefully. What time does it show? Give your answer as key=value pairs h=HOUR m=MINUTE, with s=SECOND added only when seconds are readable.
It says h=6 m=58
